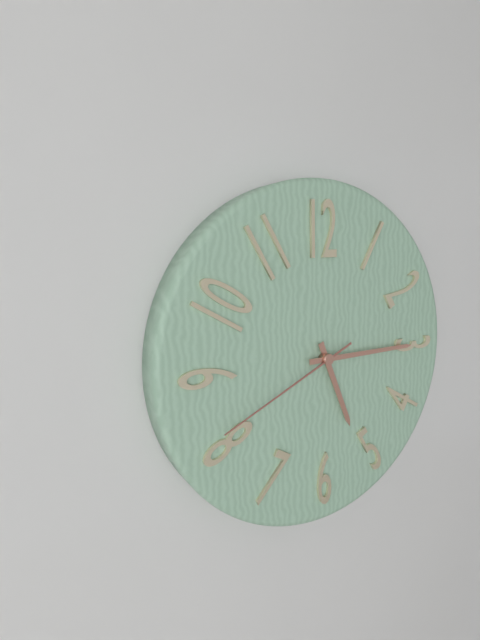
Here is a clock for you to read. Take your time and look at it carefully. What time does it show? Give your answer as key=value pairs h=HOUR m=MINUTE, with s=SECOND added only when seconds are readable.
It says h=5 m=15 s=41
